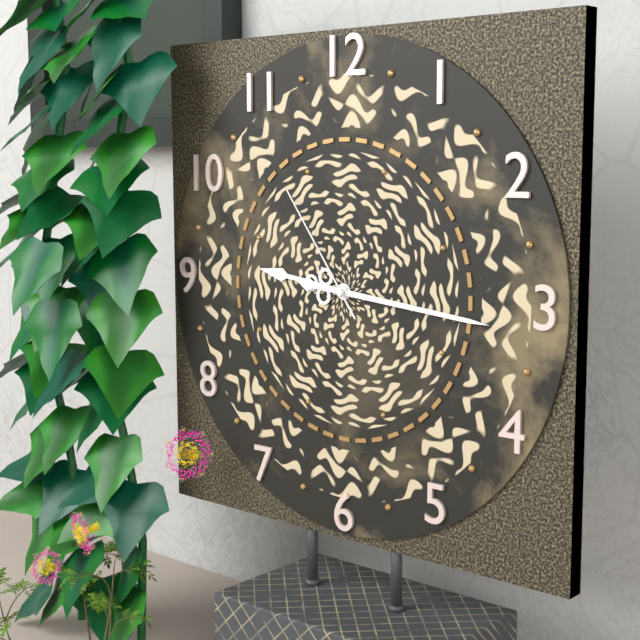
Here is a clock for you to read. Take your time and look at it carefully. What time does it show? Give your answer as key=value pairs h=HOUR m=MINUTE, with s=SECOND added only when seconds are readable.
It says h=9 m=16 s=54
